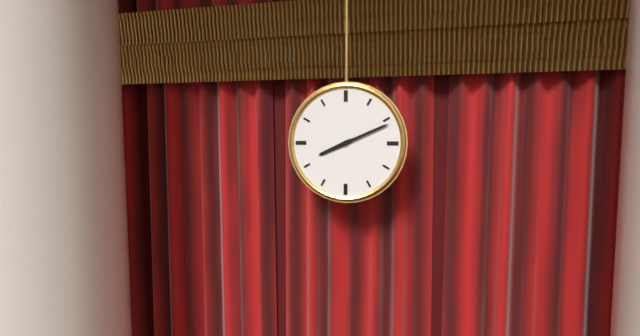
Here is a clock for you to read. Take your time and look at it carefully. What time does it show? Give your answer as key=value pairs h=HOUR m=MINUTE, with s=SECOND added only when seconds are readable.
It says h=8 m=11
